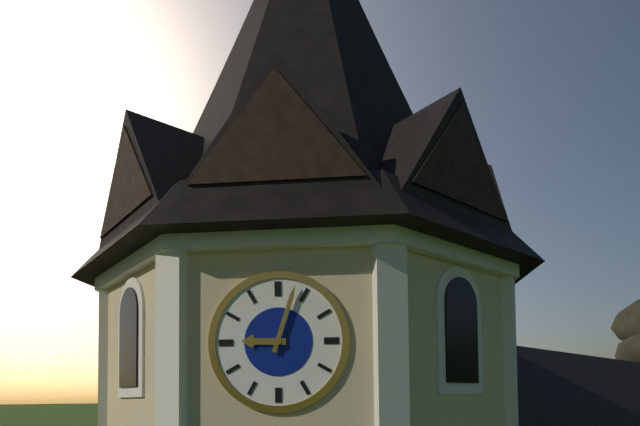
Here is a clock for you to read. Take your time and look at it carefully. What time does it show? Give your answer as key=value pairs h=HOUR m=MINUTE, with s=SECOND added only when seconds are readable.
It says h=9 m=3
